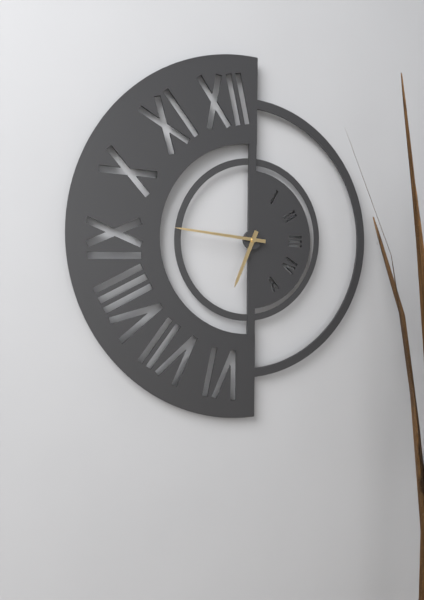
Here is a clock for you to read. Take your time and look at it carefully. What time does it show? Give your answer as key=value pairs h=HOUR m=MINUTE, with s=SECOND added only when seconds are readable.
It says h=6 m=46
